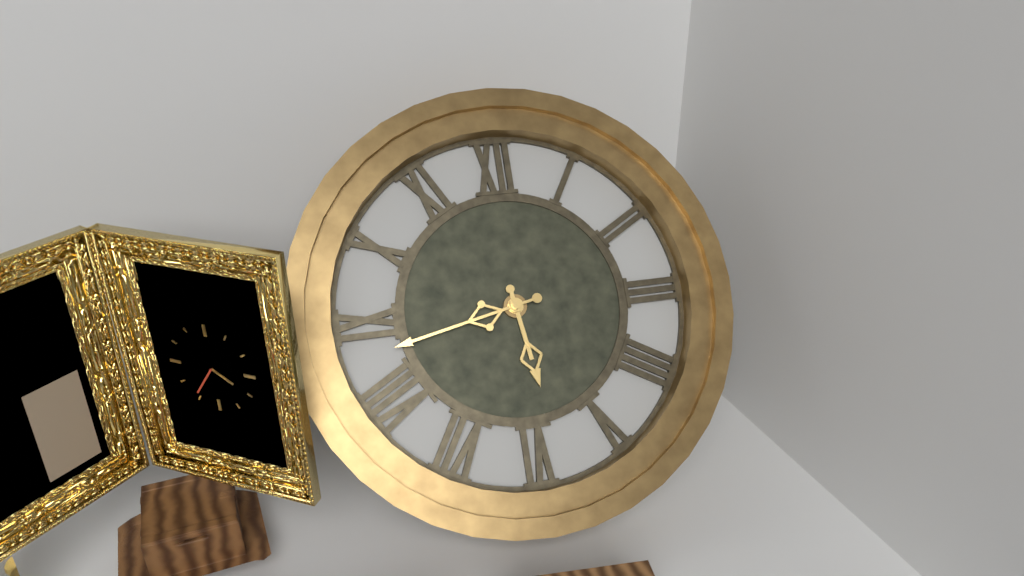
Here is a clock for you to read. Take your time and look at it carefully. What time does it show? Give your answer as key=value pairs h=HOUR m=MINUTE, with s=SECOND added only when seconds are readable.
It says h=5 m=43
